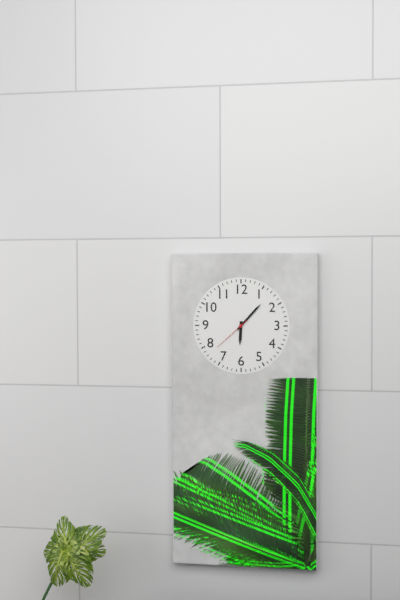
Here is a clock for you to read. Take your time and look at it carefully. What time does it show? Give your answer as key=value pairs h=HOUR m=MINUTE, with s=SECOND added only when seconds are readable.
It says h=6 m=7
